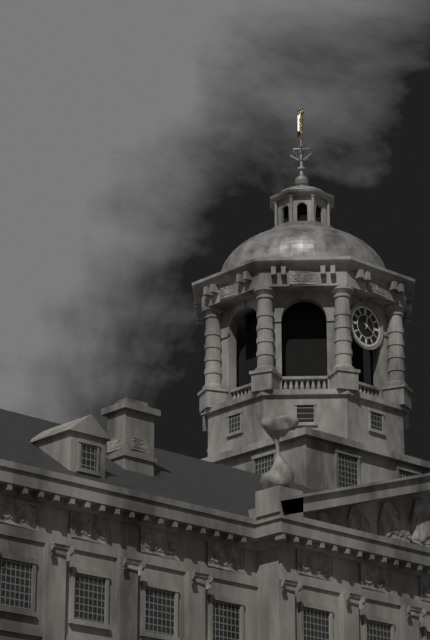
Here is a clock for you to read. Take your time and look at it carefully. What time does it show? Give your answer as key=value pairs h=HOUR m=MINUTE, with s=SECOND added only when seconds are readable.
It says h=12 m=20
